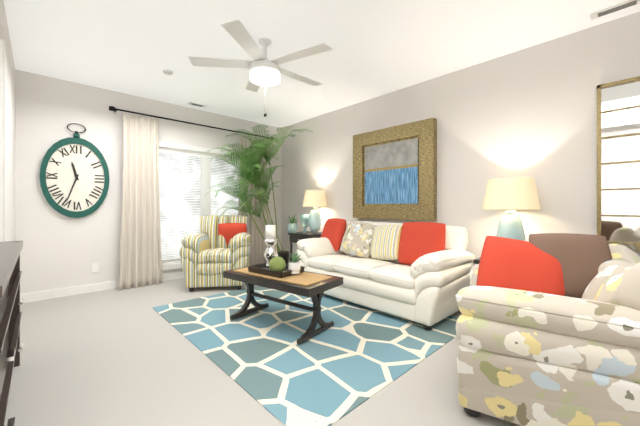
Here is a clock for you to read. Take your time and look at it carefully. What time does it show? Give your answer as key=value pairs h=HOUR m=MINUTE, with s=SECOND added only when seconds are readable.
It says h=11 m=33
